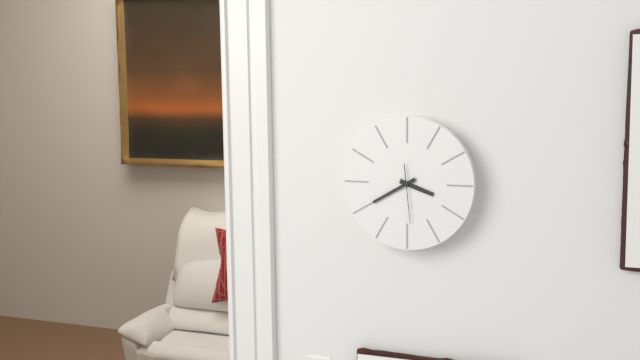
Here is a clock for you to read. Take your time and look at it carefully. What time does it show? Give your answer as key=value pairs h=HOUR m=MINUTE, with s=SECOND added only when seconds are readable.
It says h=3 m=40
